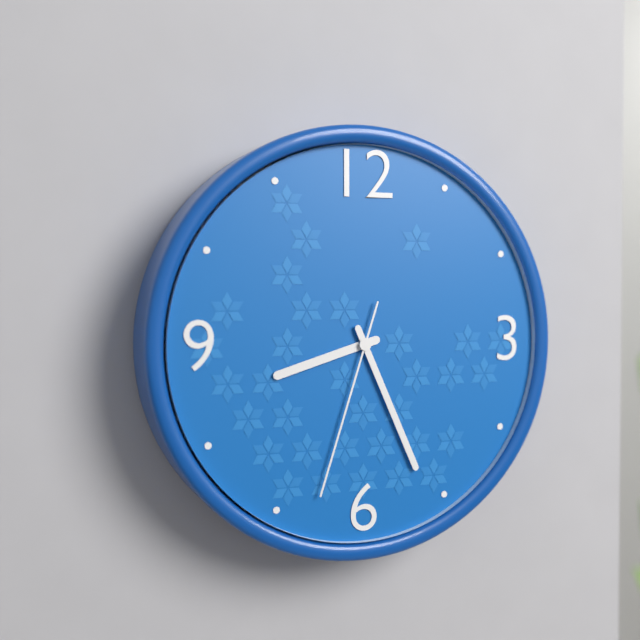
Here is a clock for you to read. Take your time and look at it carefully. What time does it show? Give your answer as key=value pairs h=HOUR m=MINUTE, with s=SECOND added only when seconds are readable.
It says h=8 m=26 s=33
